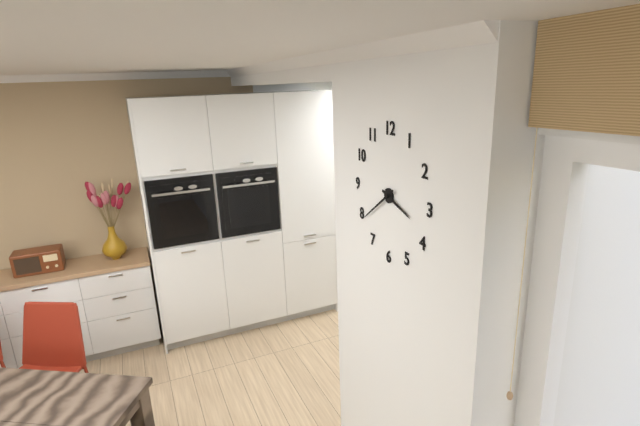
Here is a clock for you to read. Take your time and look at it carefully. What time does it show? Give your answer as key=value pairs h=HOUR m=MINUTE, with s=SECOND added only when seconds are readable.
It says h=3 m=39
